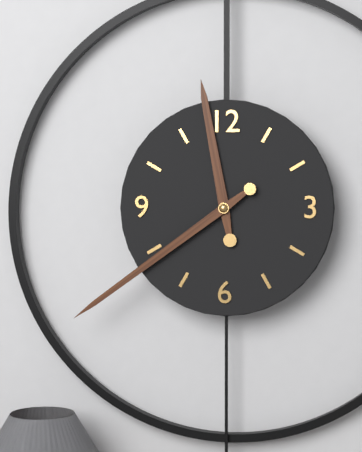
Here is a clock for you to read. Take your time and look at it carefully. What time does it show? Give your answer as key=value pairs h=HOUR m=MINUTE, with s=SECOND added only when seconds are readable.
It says h=11 m=39
